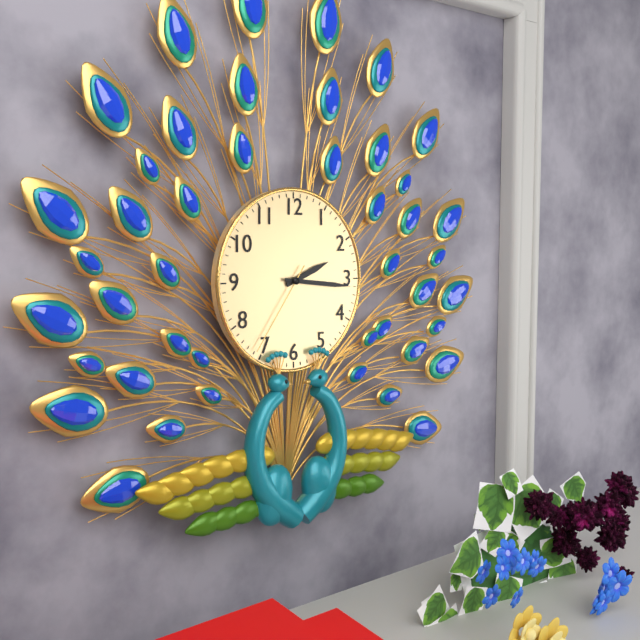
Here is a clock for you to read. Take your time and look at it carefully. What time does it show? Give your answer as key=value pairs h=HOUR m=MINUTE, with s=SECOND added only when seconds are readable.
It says h=2 m=16 s=36
